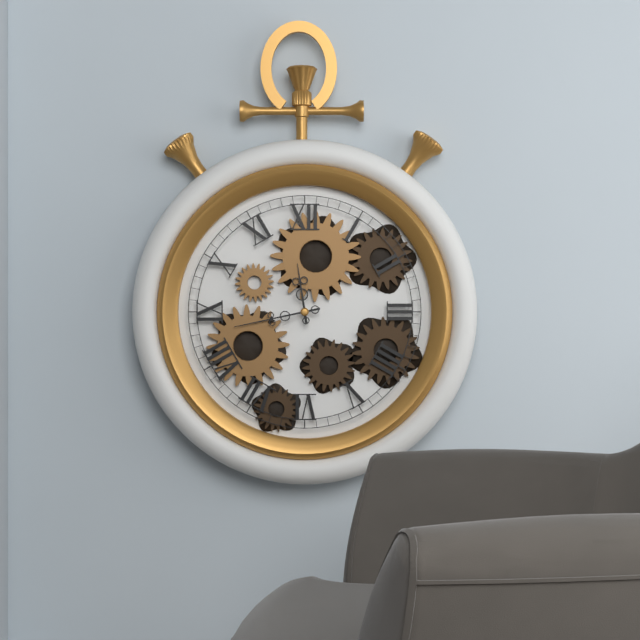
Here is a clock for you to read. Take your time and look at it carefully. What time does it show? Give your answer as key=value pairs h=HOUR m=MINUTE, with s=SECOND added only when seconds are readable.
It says h=11 m=43
